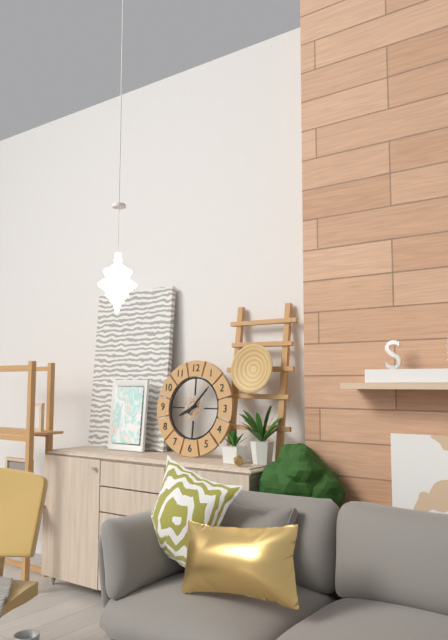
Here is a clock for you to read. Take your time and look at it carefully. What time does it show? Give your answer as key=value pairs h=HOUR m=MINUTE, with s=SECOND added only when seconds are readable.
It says h=8 m=7
